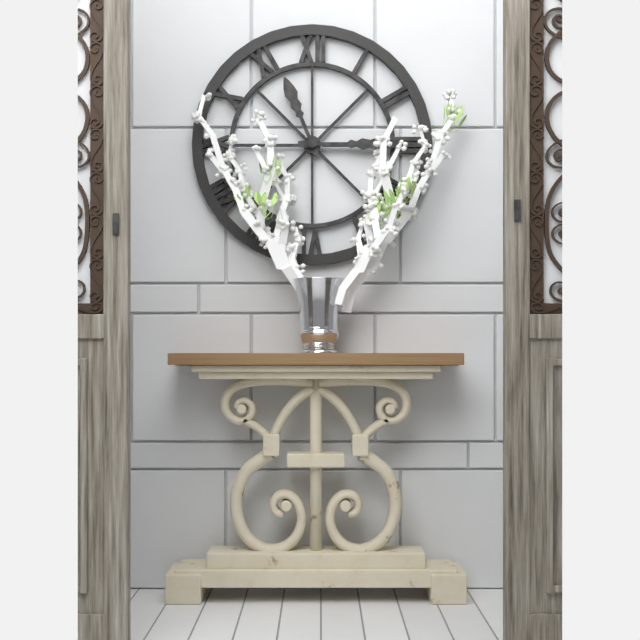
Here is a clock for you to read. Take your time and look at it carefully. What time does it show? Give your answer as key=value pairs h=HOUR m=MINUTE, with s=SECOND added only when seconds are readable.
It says h=11 m=15
